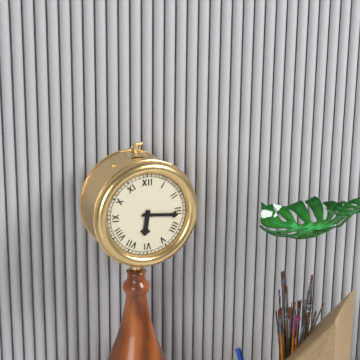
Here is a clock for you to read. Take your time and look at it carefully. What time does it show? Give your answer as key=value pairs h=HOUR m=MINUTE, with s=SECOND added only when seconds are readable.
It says h=6 m=16
